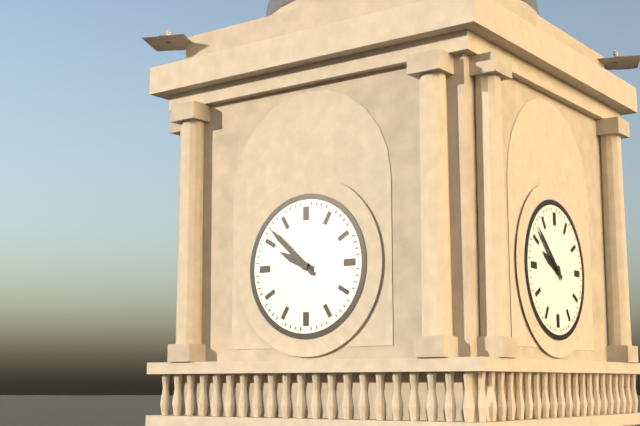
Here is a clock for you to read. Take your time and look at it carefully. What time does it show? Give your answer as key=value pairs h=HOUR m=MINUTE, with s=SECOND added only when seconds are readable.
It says h=9 m=52
